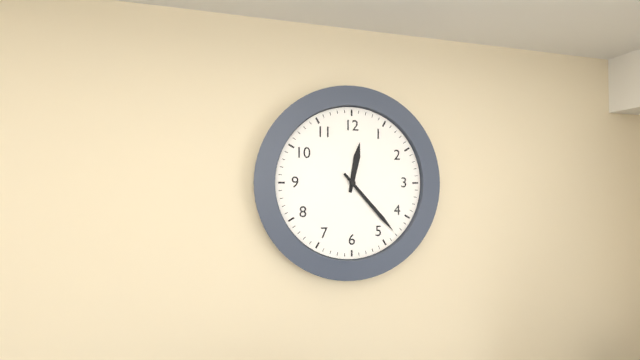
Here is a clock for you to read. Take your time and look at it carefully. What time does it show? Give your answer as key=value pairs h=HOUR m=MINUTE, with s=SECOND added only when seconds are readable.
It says h=12 m=23
